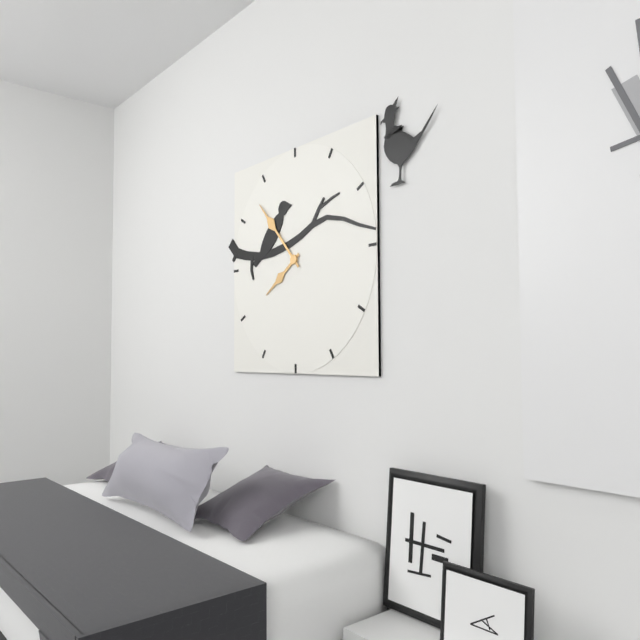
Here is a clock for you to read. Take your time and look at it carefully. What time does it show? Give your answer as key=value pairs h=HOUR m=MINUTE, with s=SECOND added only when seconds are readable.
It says h=7 m=53
